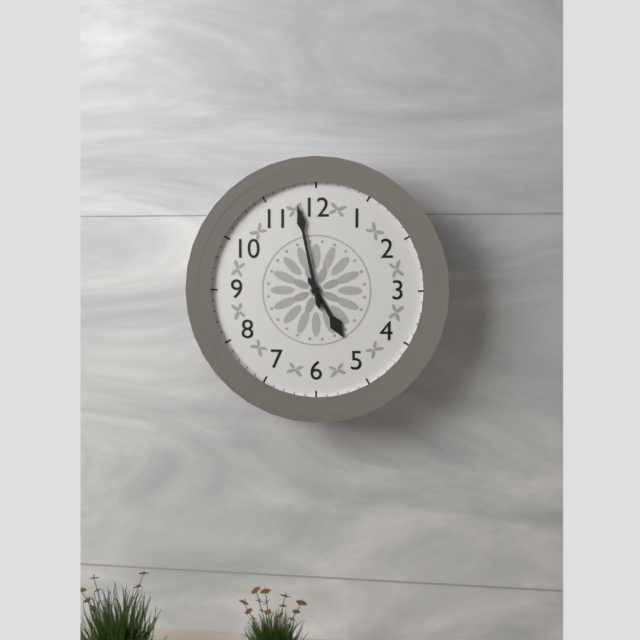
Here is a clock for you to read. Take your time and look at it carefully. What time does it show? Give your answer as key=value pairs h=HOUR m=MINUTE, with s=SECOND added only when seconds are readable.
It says h=4 m=58
